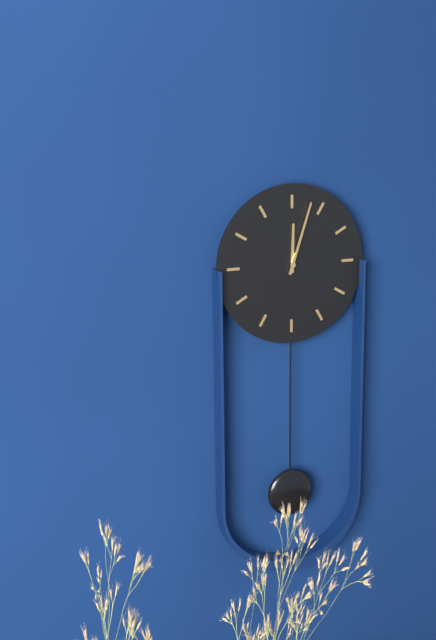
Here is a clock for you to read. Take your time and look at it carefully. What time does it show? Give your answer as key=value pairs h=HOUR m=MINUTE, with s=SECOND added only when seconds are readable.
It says h=12 m=3
